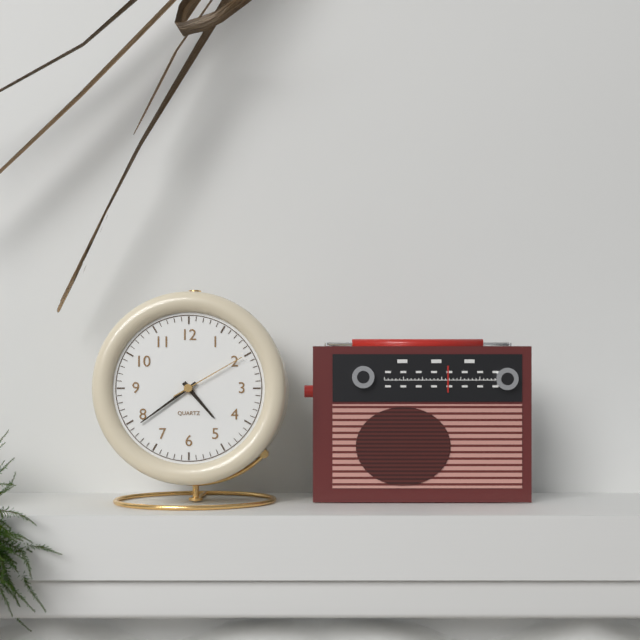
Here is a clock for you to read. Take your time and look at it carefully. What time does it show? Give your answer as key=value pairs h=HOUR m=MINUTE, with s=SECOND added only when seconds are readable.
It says h=4 m=39 s=10
